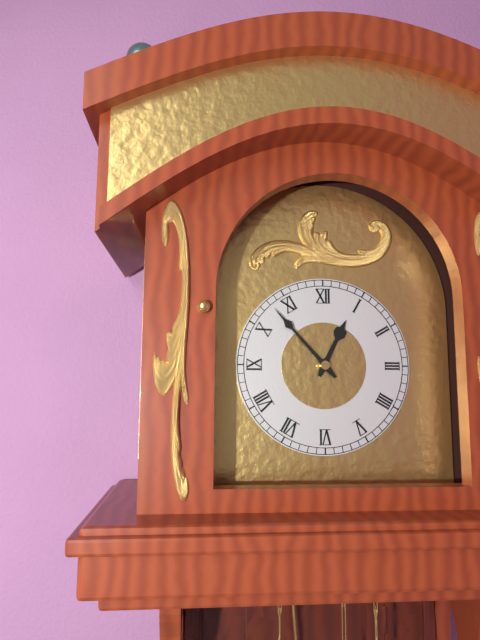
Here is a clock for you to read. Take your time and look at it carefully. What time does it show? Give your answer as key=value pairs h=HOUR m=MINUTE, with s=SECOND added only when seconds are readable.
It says h=12 m=53
